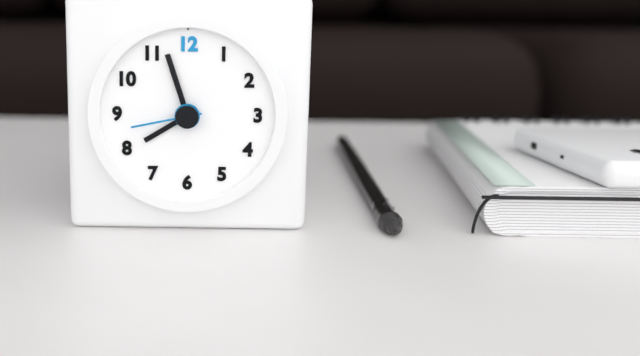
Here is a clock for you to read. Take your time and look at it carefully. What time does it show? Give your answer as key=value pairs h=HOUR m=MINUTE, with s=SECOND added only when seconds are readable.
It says h=7 m=57 s=43
